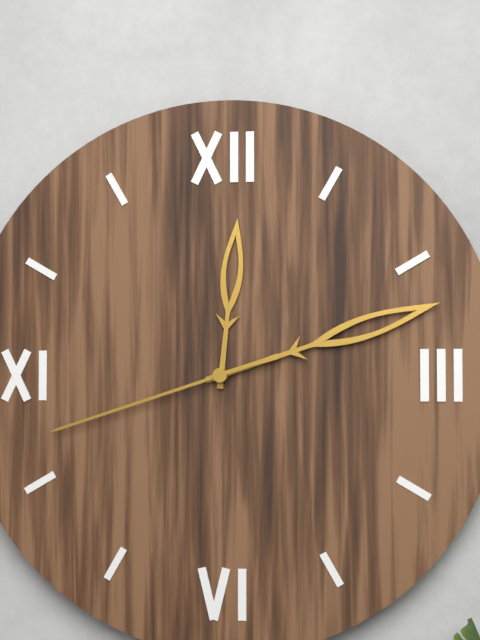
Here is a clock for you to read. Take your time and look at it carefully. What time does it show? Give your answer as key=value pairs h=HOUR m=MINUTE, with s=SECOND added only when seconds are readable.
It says h=12 m=12 s=42
